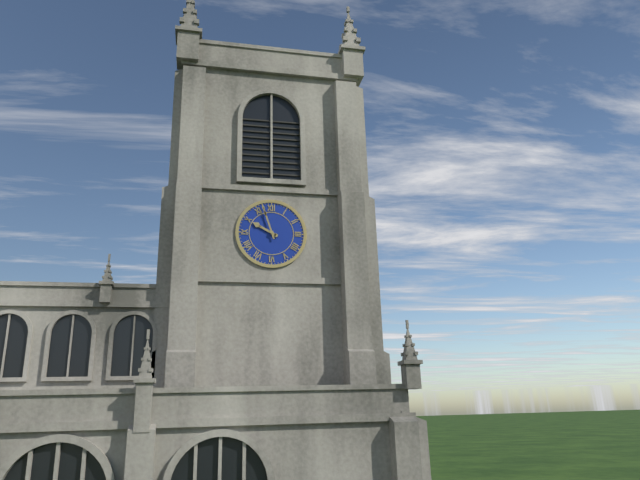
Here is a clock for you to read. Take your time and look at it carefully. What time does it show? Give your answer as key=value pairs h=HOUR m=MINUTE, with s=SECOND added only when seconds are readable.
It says h=9 m=57
